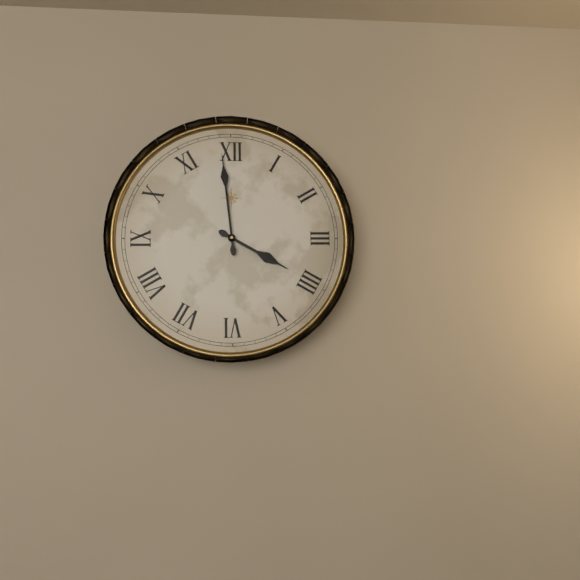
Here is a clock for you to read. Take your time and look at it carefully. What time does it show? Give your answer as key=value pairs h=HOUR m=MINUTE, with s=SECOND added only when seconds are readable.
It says h=3 m=59
